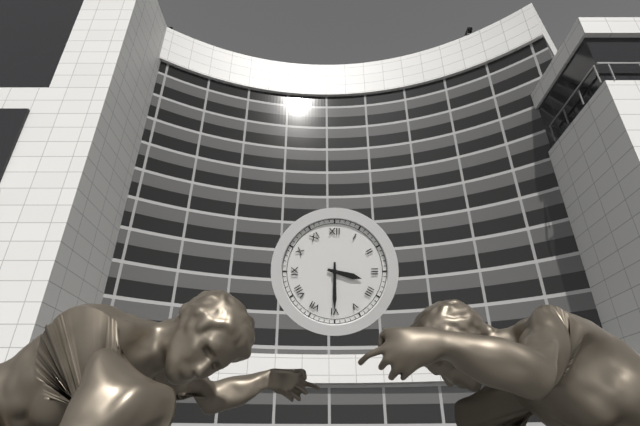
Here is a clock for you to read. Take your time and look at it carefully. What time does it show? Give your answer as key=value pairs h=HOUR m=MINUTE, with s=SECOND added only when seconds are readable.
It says h=3 m=30
